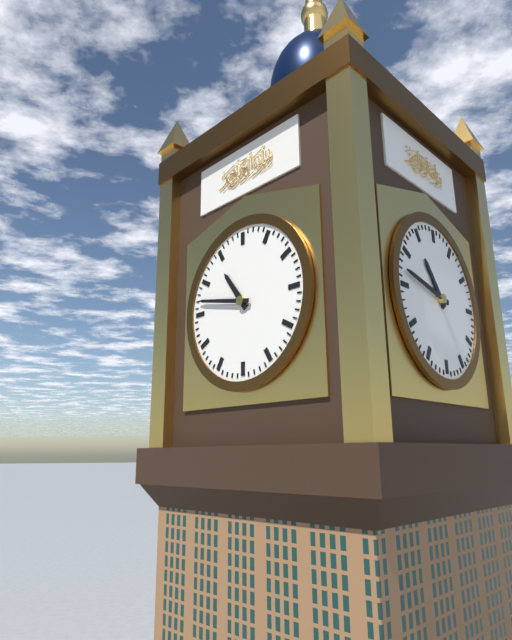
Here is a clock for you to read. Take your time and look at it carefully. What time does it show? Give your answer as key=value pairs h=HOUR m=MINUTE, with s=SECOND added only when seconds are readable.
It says h=10 m=47
